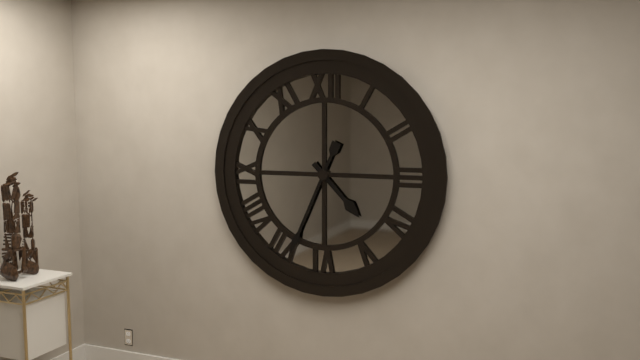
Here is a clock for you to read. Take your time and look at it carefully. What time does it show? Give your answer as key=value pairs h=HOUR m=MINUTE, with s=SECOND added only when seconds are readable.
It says h=4 m=34
